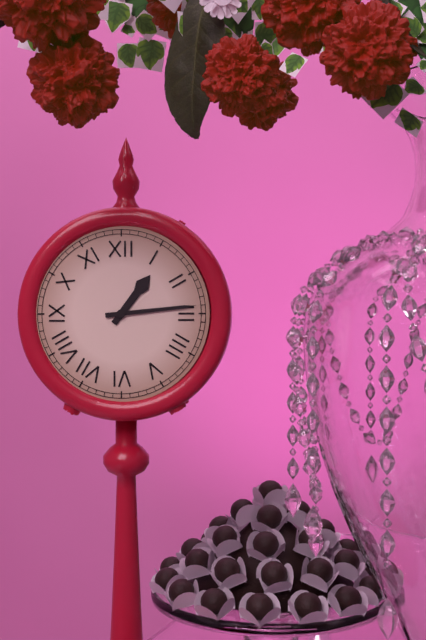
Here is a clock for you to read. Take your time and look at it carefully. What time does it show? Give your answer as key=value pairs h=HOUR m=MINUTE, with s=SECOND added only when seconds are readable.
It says h=1 m=14
